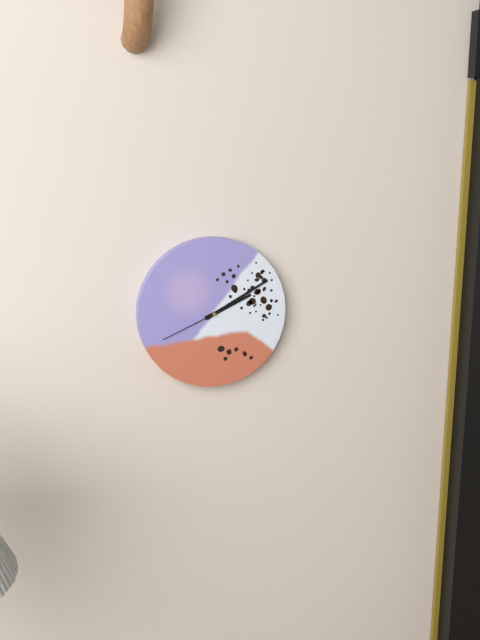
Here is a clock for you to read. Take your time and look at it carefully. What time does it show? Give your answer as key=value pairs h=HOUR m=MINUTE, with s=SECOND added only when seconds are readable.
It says h=2 m=10 s=41
